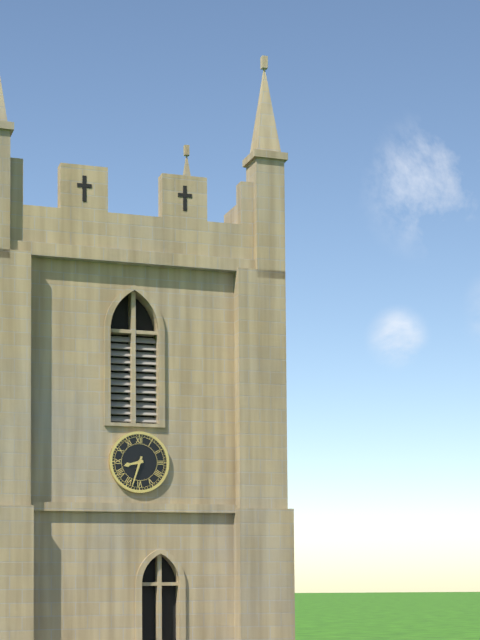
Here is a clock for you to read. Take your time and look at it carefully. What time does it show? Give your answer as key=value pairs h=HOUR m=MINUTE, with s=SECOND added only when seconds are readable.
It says h=8 m=33
